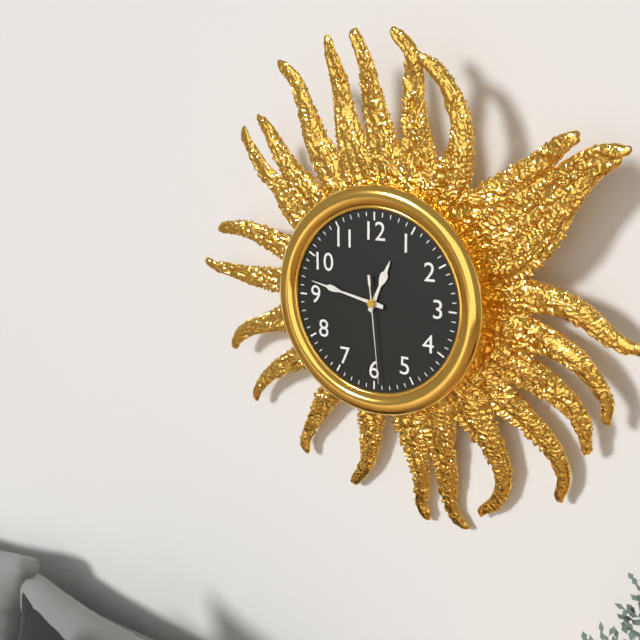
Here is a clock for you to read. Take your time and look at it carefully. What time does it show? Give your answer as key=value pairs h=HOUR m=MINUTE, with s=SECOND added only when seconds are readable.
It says h=12 m=47 s=29
